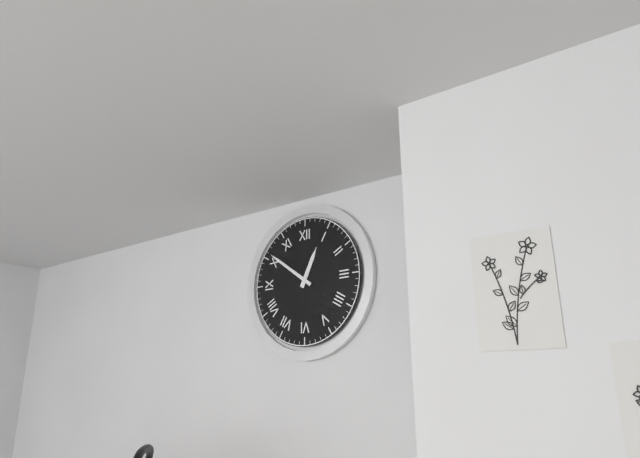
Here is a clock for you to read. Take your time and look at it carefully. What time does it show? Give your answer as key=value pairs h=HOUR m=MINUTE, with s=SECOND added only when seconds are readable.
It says h=12 m=51
